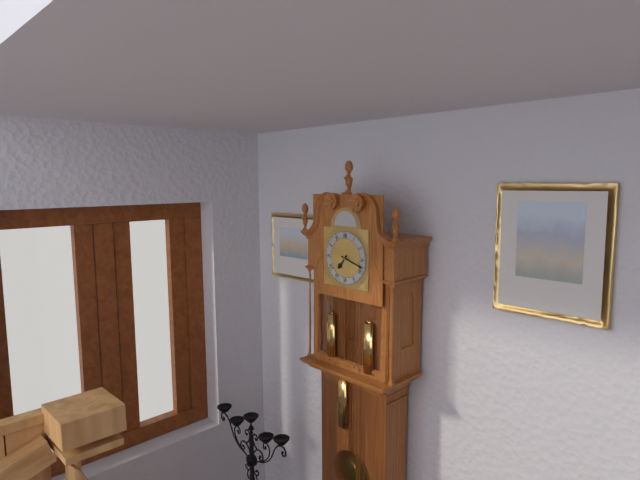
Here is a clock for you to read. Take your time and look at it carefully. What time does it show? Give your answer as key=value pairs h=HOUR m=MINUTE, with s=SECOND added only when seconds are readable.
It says h=7 m=18
